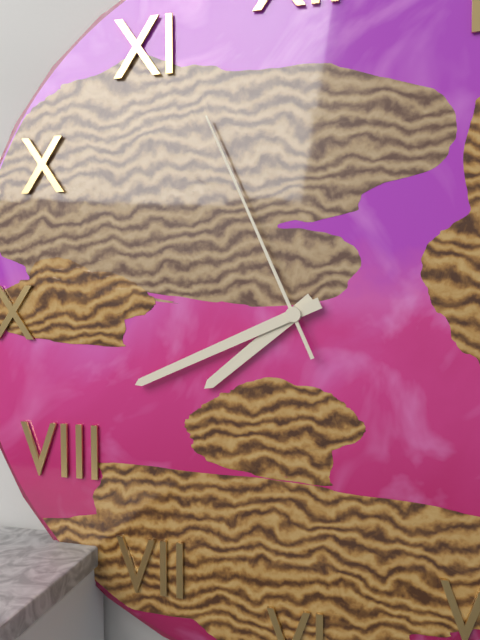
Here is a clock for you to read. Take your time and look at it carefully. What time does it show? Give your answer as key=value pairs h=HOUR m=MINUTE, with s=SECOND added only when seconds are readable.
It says h=7 m=41 s=56
